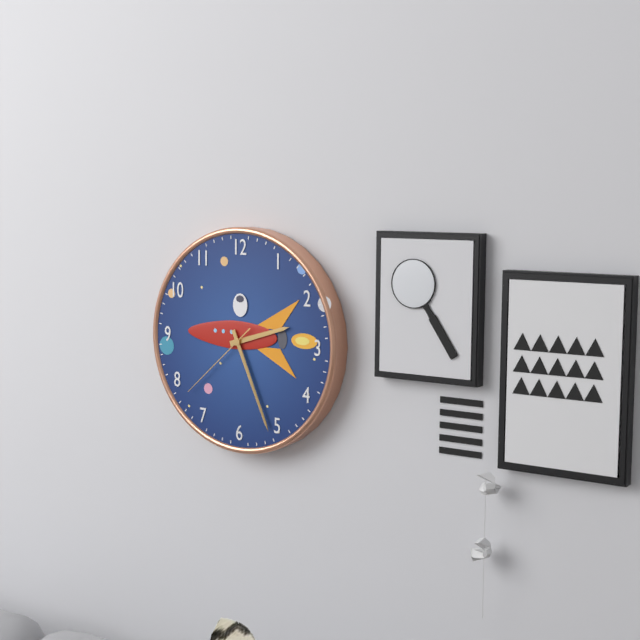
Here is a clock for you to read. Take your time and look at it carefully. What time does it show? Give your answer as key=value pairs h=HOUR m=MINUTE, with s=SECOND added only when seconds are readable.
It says h=2 m=26 s=38
